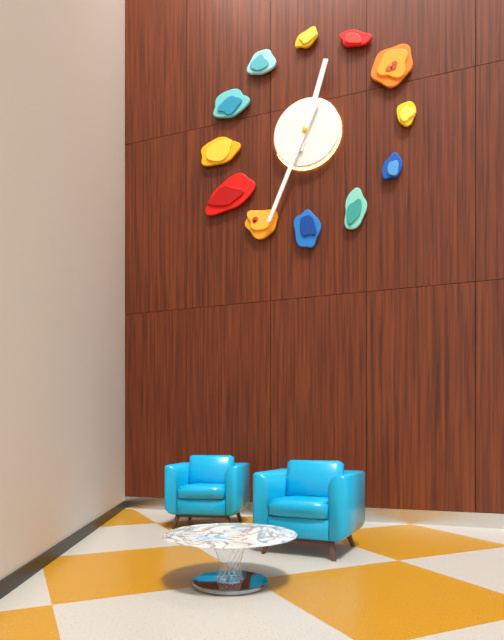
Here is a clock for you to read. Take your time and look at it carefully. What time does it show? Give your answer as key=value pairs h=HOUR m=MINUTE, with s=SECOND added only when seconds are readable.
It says h=12 m=34
